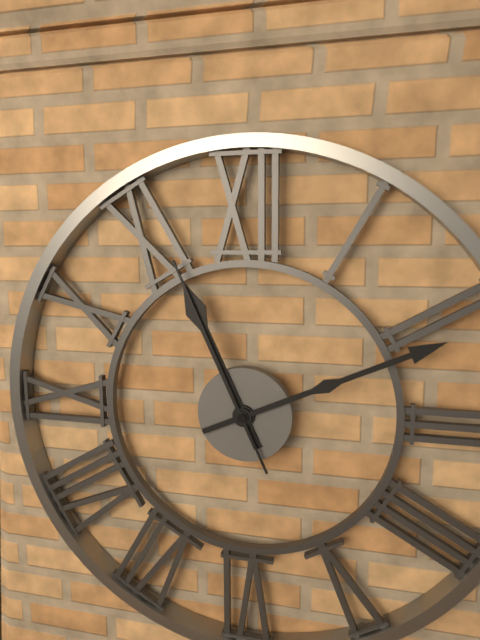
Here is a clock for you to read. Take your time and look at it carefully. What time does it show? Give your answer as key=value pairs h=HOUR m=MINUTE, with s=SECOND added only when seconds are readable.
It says h=11 m=11 s=56
